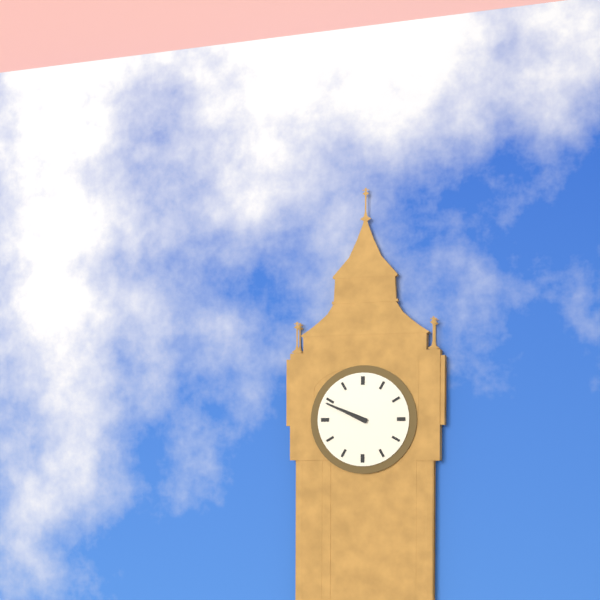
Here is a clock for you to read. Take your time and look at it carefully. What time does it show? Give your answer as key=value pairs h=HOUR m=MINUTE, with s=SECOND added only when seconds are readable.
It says h=9 m=49
